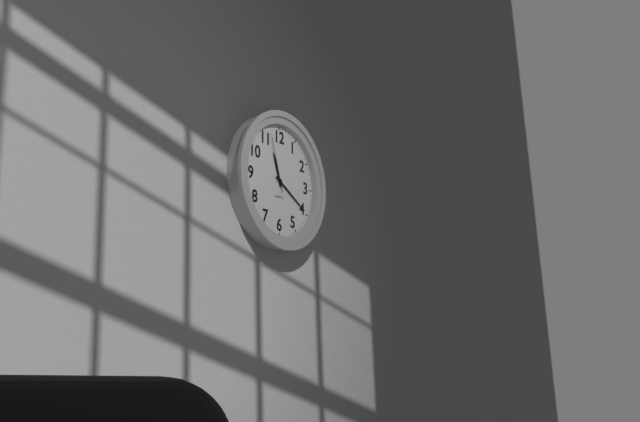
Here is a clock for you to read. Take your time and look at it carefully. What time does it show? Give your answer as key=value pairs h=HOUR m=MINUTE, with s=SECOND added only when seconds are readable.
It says h=11 m=20 s=57
